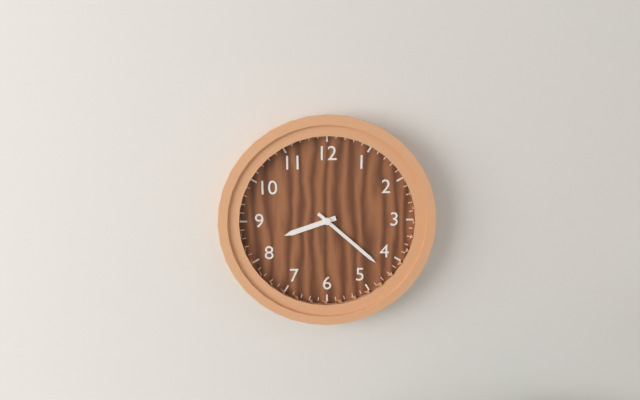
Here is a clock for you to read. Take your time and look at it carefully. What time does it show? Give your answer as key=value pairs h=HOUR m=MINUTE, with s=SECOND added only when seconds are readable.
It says h=8 m=22
